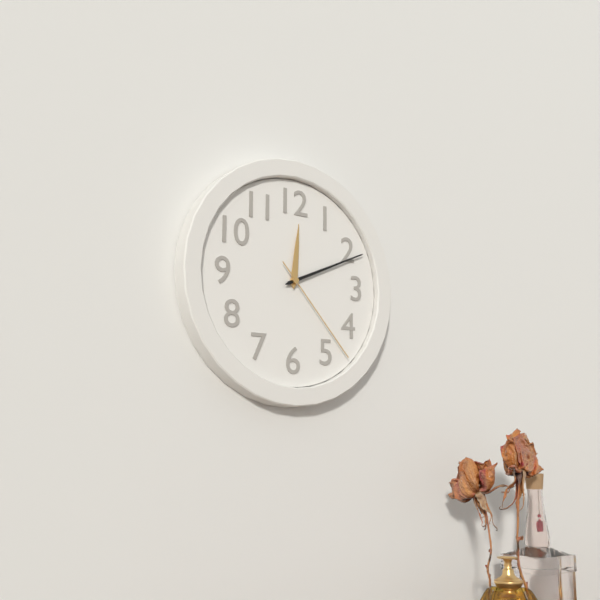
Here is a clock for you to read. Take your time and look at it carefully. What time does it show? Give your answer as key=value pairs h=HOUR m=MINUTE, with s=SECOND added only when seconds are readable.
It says h=12 m=11 s=23
